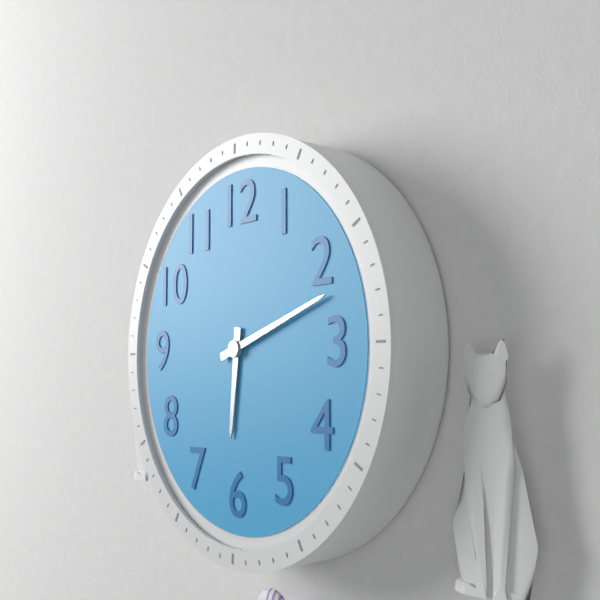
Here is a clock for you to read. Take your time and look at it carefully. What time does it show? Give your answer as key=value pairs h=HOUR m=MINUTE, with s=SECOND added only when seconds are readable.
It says h=6 m=12
